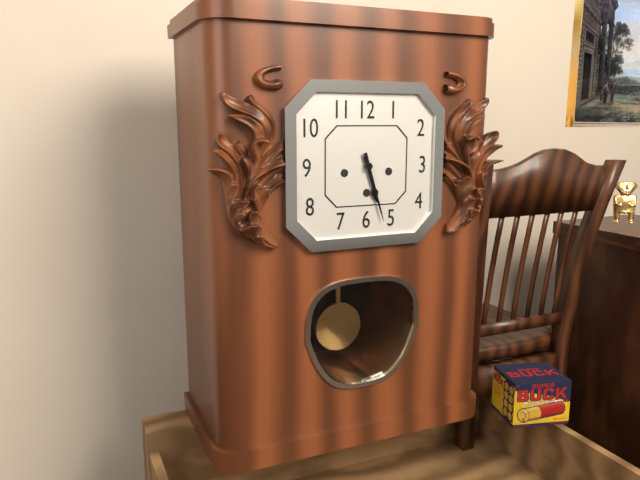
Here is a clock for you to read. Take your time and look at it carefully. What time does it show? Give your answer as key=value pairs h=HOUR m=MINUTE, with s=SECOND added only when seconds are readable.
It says h=5 m=27
